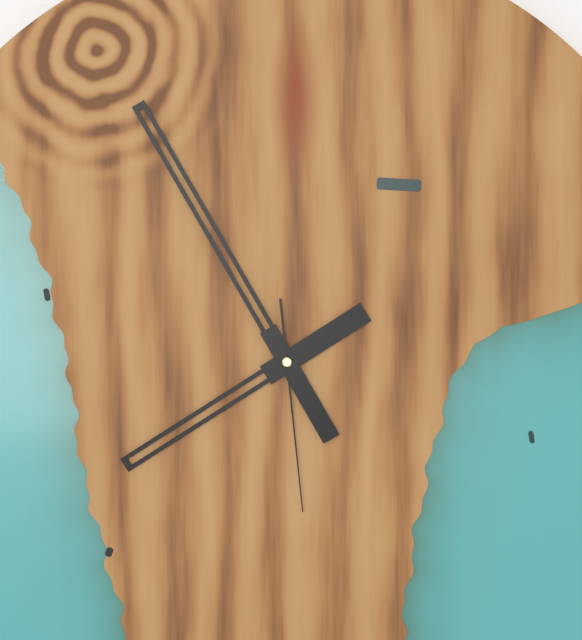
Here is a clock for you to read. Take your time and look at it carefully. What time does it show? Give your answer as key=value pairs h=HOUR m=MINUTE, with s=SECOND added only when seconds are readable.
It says h=7 m=55 s=29
